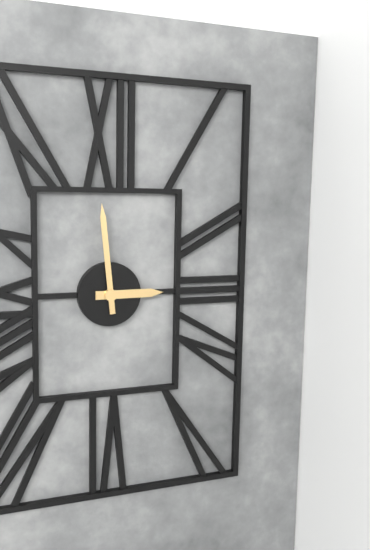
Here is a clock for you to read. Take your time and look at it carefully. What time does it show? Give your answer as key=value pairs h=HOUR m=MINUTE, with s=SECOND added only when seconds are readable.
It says h=2 m=59
